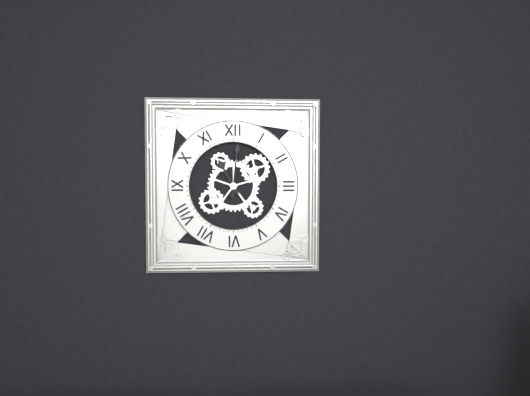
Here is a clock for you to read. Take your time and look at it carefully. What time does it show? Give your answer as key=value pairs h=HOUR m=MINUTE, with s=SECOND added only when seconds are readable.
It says h=11 m=1
